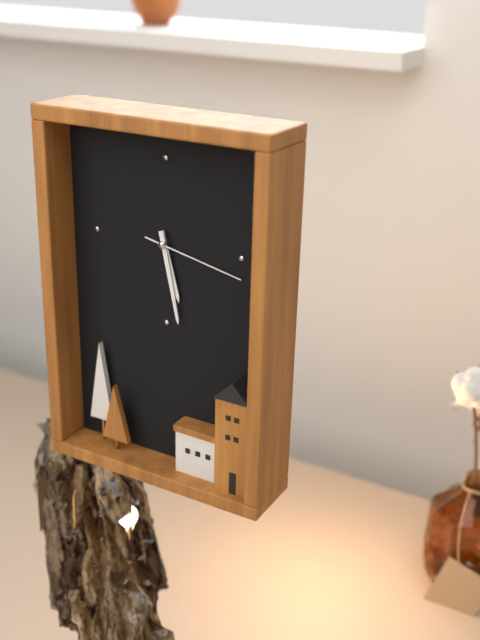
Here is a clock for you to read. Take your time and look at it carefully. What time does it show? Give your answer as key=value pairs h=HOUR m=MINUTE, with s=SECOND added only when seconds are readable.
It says h=5 m=28 s=17
